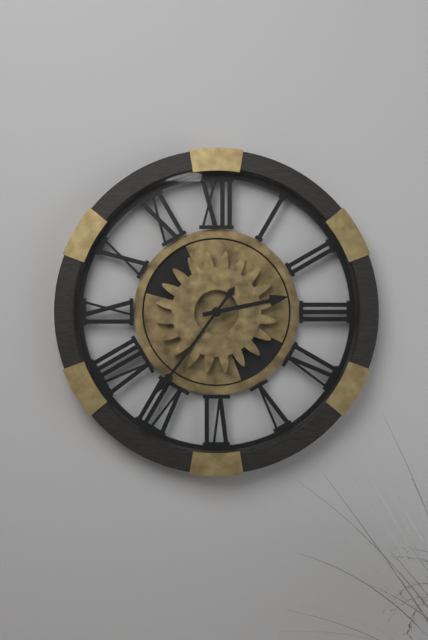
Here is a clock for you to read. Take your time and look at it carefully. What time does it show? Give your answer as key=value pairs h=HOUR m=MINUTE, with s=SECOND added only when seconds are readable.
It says h=2 m=36
